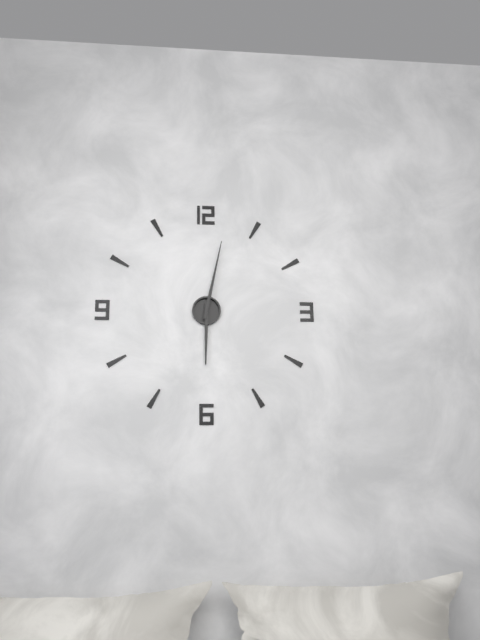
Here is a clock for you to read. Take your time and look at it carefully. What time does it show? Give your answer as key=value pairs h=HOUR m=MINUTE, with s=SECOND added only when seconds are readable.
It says h=6 m=2
